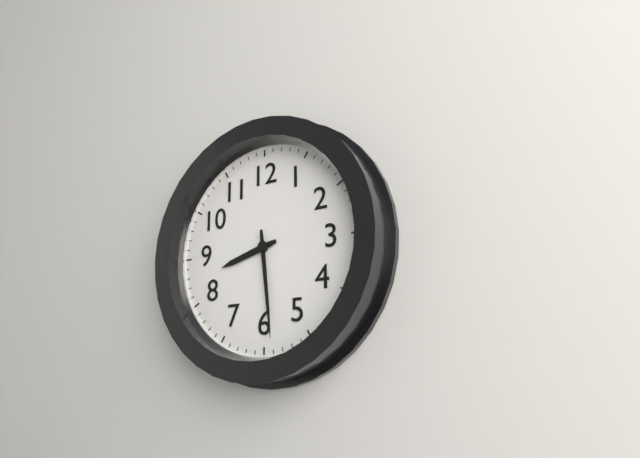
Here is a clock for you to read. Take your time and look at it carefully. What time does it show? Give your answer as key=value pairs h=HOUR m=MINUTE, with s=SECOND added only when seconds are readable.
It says h=8 m=29
